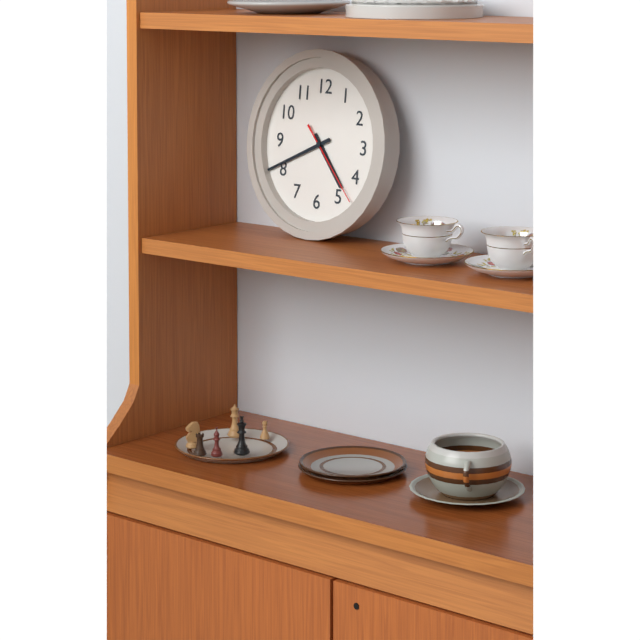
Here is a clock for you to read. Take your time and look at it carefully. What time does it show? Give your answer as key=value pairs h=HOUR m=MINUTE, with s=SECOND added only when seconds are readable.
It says h=4 m=41 s=23
